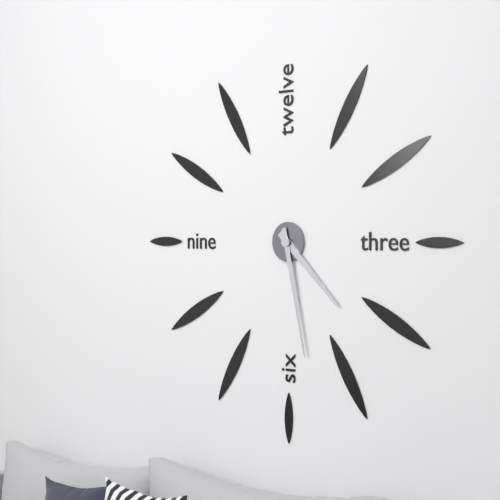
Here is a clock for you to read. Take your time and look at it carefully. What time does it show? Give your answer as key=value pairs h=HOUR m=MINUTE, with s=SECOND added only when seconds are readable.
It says h=4 m=28
